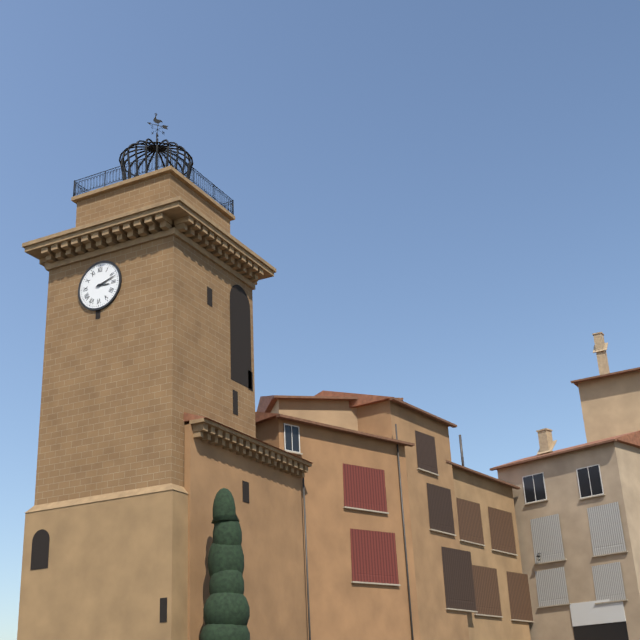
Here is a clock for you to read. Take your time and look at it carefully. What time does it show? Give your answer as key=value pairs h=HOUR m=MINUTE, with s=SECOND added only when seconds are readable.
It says h=3 m=12
